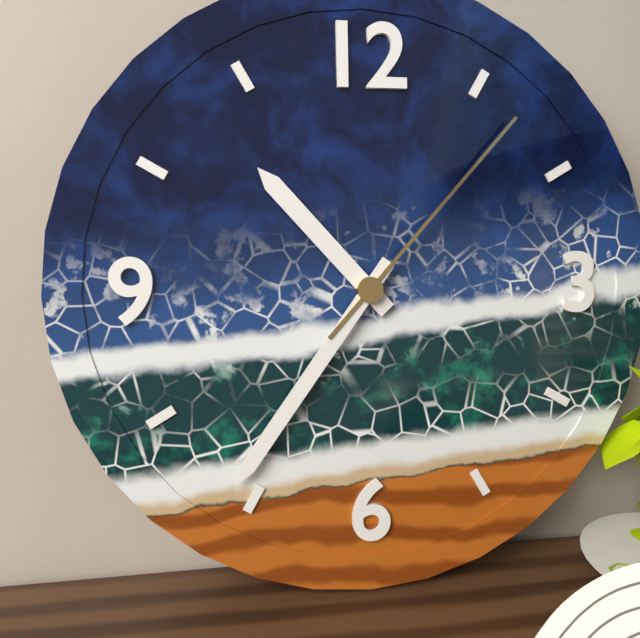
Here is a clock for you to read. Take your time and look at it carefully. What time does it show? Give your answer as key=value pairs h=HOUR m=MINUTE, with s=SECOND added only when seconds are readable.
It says h=10 m=36 s=7
